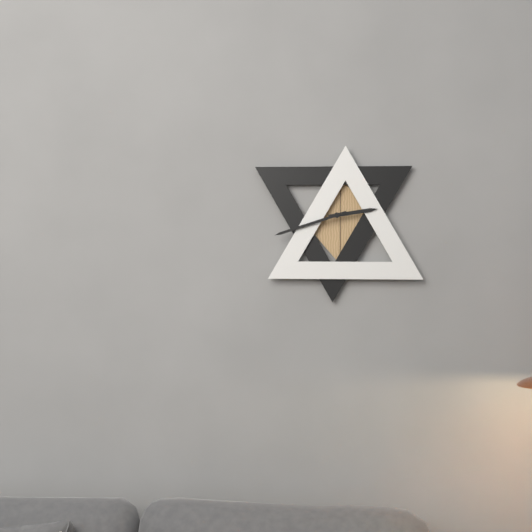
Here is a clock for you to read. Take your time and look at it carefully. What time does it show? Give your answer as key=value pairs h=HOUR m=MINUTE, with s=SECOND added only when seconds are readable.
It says h=2 m=42
